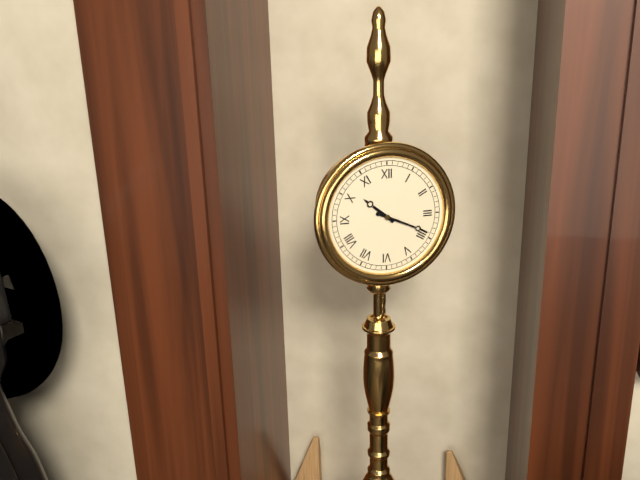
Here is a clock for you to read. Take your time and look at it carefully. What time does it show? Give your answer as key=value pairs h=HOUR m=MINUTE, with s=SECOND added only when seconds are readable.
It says h=10 m=19
